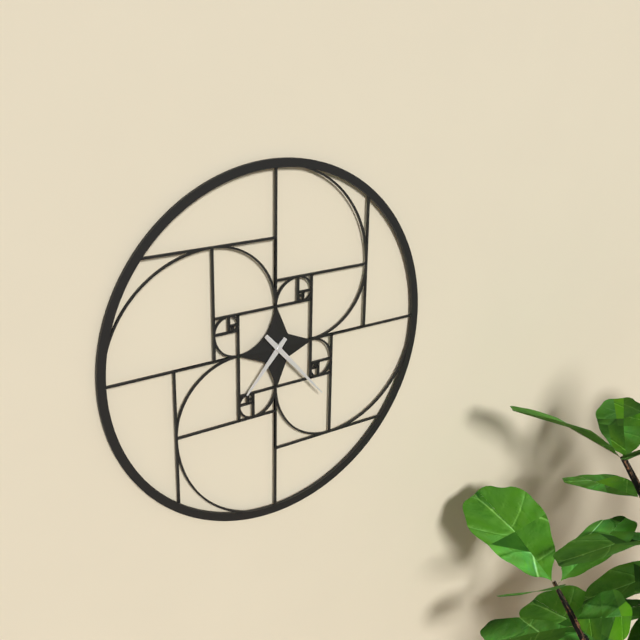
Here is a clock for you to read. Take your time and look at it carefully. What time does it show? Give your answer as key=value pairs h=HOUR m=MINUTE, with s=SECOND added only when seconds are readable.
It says h=7 m=23
